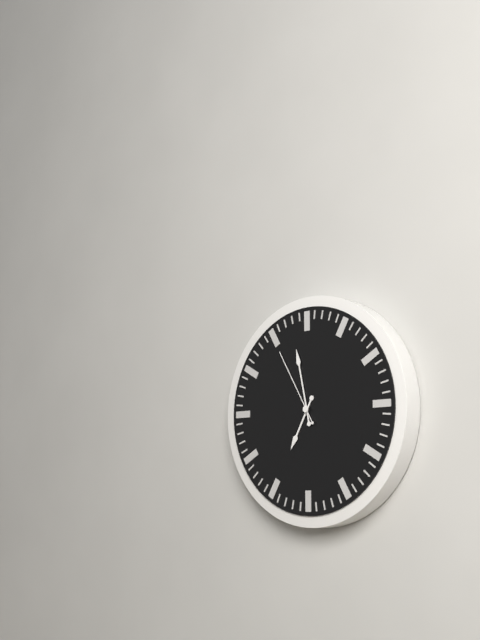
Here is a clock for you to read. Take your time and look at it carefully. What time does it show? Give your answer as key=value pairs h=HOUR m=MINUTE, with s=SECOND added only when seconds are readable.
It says h=6 m=58 s=55
